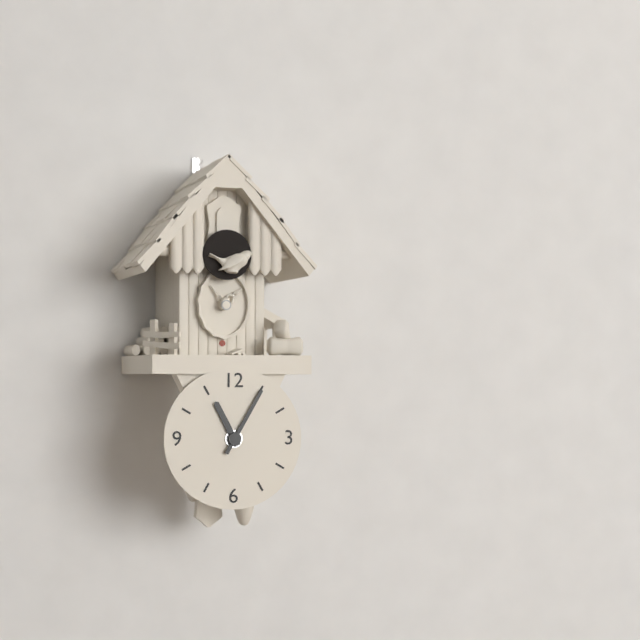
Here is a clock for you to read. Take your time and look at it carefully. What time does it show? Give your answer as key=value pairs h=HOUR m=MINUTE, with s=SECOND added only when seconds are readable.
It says h=11 m=5
